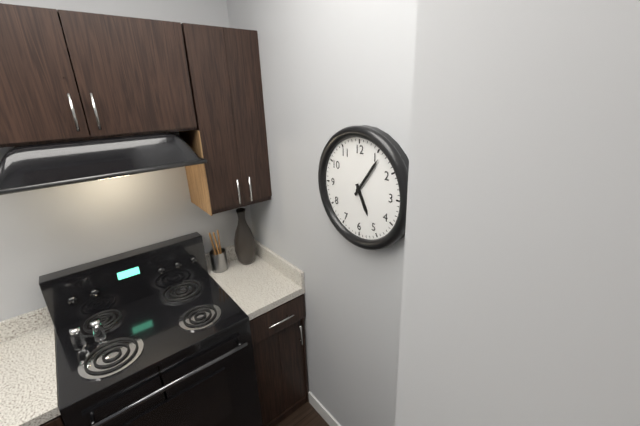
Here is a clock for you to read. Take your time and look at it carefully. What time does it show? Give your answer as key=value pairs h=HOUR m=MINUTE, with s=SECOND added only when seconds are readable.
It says h=5 m=6
